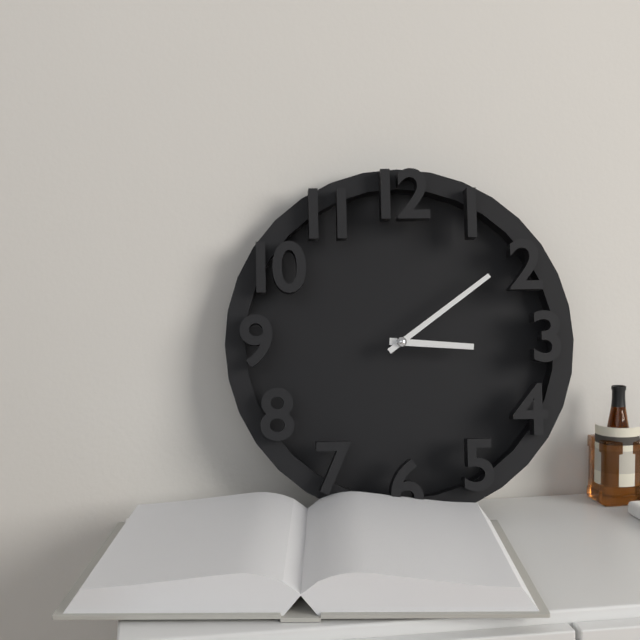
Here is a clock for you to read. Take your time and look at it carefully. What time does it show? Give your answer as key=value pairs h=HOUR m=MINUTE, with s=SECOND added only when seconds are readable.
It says h=3 m=9
